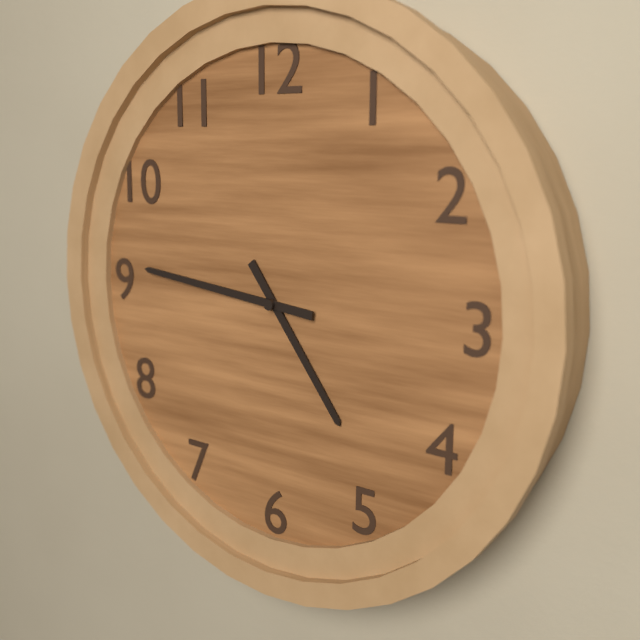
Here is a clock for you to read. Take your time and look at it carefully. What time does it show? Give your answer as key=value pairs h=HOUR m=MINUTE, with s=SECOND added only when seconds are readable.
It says h=4 m=46
